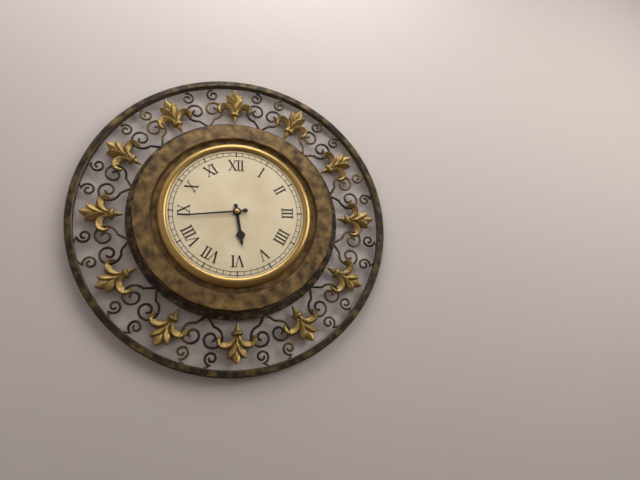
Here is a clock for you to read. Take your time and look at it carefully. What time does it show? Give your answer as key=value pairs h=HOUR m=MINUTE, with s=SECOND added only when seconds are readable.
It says h=5 m=44
